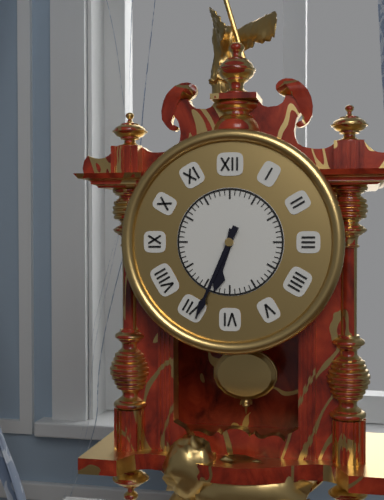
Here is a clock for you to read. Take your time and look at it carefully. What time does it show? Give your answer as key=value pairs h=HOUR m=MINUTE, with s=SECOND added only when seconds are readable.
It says h=6 m=34
